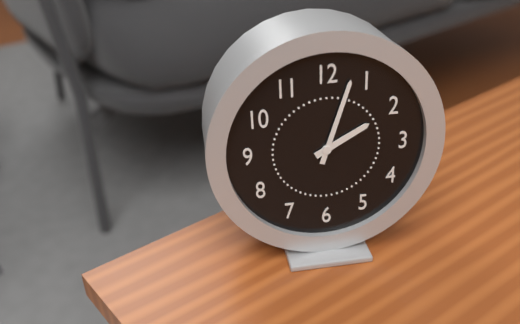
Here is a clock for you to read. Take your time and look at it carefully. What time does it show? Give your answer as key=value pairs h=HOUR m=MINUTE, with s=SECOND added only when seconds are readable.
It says h=2 m=3
